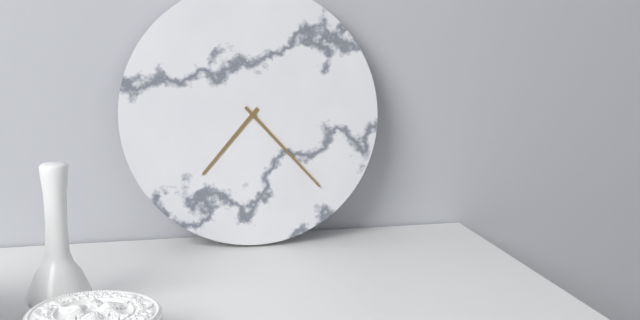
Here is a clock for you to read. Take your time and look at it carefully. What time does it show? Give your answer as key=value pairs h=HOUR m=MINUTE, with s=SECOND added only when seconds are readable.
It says h=7 m=23
